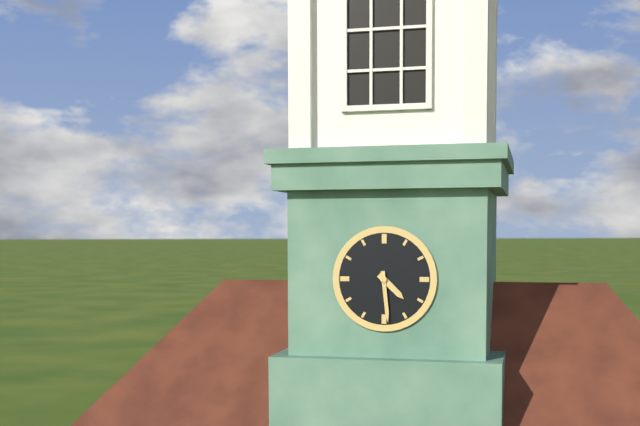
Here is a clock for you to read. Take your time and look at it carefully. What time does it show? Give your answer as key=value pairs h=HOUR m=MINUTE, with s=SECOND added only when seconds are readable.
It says h=4 m=29
